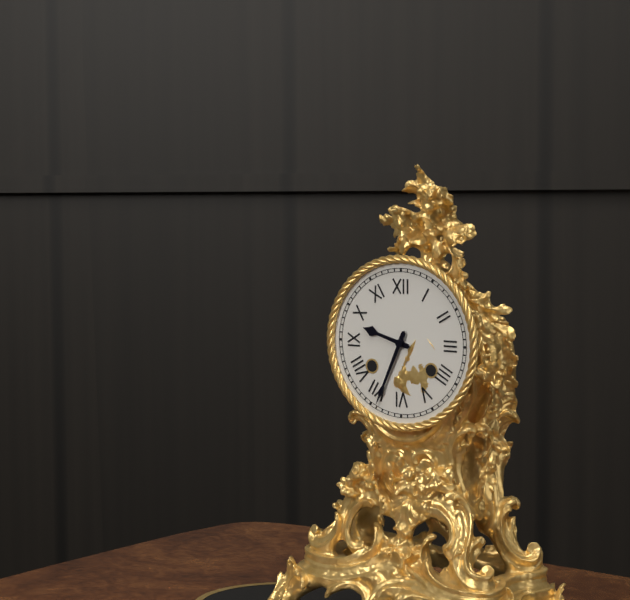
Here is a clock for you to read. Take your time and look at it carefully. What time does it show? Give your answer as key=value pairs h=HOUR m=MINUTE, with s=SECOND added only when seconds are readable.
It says h=9 m=34
